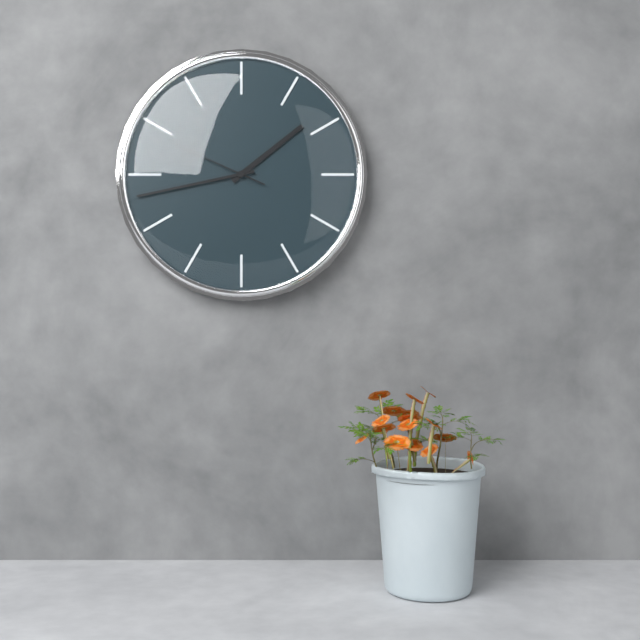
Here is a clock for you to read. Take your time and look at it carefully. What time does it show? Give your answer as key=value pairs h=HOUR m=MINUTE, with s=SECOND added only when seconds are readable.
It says h=1 m=43 s=49
